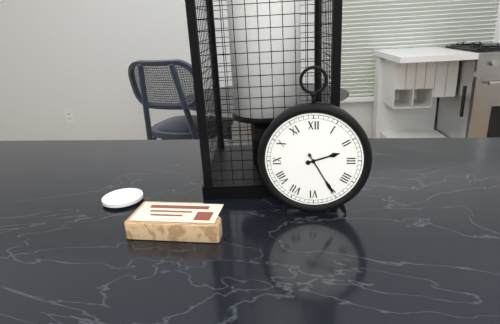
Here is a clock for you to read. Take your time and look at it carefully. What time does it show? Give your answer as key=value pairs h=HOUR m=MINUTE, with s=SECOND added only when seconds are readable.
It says h=2 m=25
